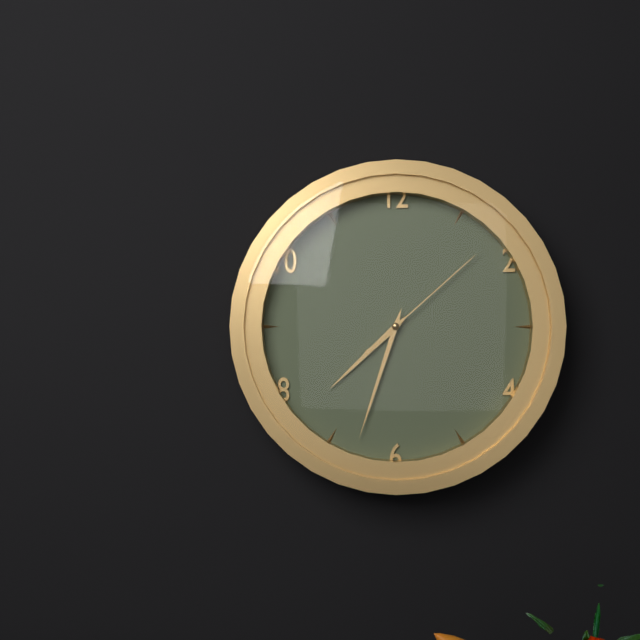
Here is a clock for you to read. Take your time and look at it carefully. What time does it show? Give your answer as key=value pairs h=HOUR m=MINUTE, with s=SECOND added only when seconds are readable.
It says h=7 m=33 s=8
